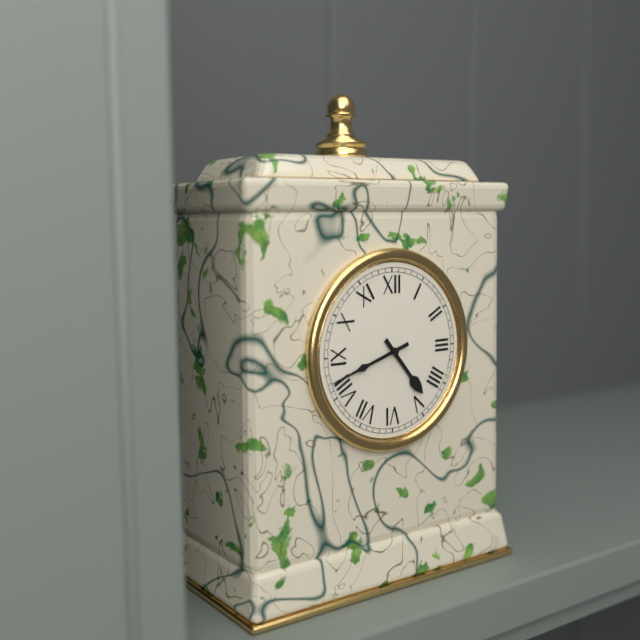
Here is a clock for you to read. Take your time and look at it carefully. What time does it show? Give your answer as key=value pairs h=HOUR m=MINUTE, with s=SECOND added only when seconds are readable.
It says h=4 m=42
